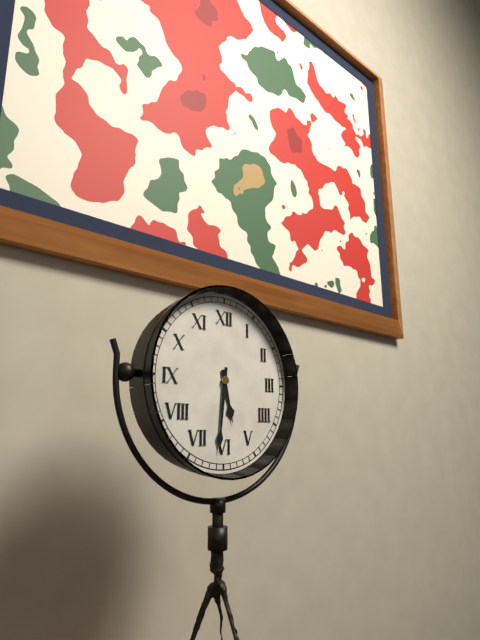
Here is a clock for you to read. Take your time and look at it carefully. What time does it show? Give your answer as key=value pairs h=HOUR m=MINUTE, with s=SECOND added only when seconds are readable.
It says h=5 m=31
